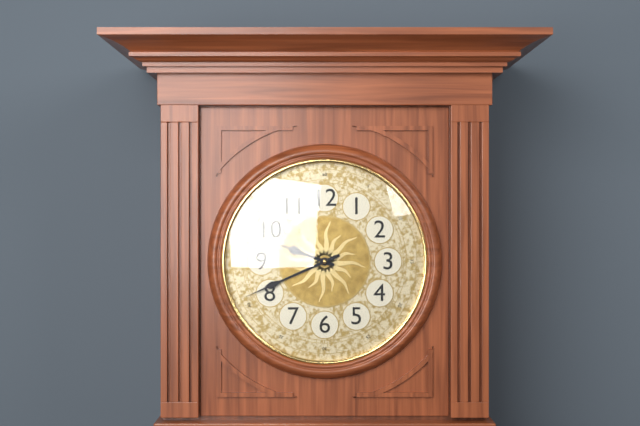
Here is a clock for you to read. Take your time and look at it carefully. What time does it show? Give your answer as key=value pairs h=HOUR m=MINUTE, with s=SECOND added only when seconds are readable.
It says h=9 m=41
